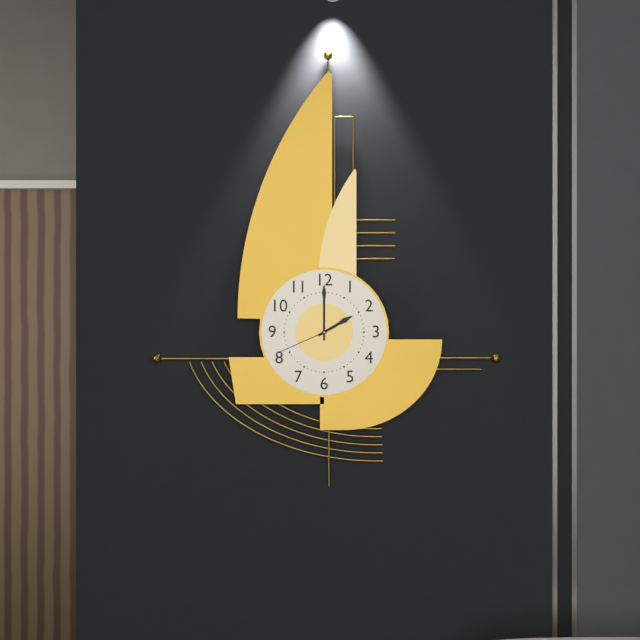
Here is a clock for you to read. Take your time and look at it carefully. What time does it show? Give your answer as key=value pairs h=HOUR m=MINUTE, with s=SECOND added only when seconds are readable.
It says h=2 m=0 s=41
